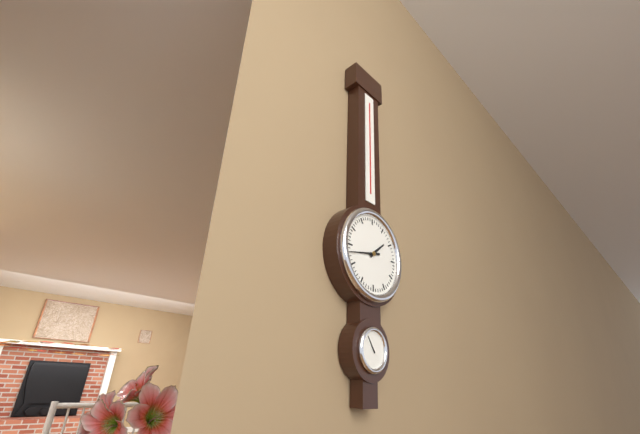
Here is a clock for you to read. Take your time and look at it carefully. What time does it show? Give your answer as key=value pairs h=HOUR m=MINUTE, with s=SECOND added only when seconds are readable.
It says h=1 m=43
